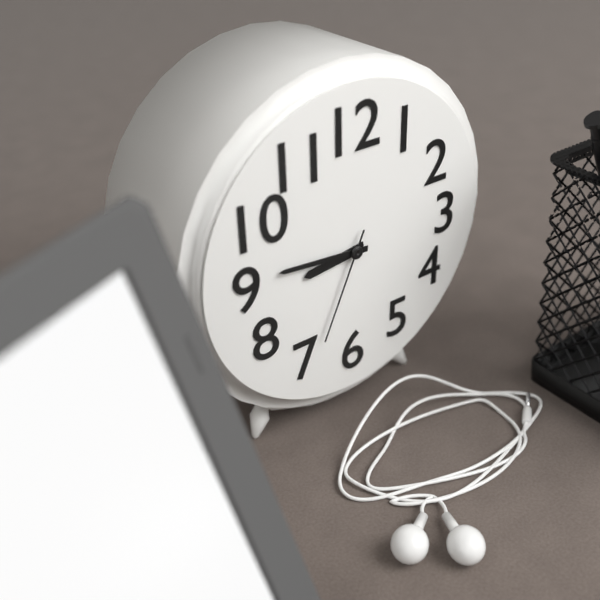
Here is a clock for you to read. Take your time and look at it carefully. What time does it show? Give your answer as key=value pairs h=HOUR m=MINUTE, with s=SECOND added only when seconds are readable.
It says h=8 m=46 s=34
